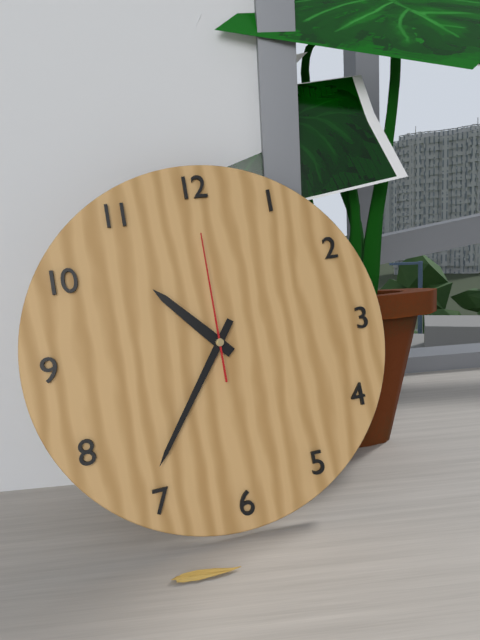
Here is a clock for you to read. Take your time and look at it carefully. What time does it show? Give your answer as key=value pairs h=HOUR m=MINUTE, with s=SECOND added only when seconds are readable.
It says h=10 m=36 s=0
